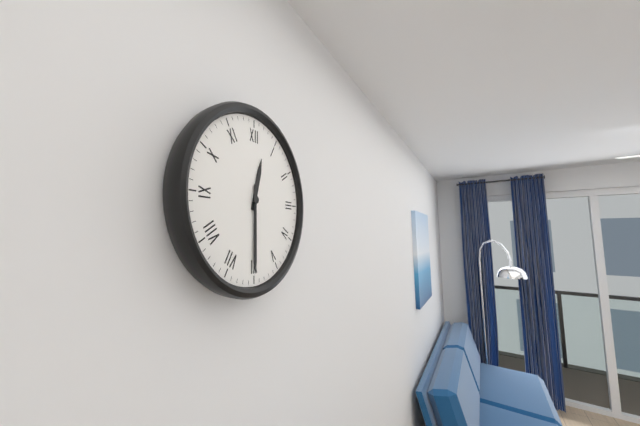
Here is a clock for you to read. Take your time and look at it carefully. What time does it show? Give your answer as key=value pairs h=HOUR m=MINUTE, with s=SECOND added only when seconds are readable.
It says h=12 m=30
